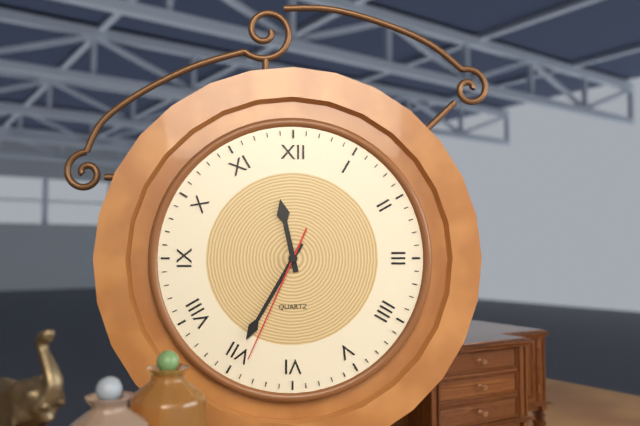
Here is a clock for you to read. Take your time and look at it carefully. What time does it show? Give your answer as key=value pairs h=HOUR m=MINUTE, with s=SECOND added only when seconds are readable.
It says h=11 m=35 s=34
